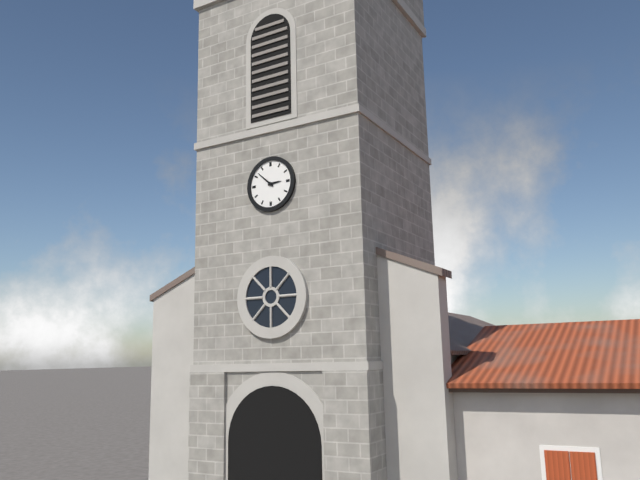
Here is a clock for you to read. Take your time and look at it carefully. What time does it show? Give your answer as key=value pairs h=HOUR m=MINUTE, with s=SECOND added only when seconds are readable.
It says h=2 m=52
